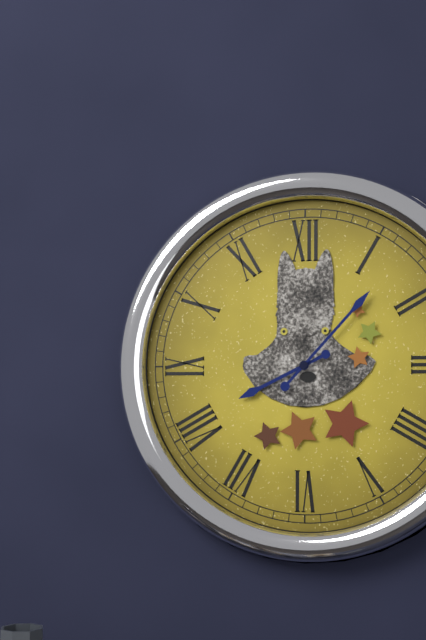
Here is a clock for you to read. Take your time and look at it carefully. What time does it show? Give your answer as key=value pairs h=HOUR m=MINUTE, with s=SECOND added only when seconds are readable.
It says h=8 m=7
